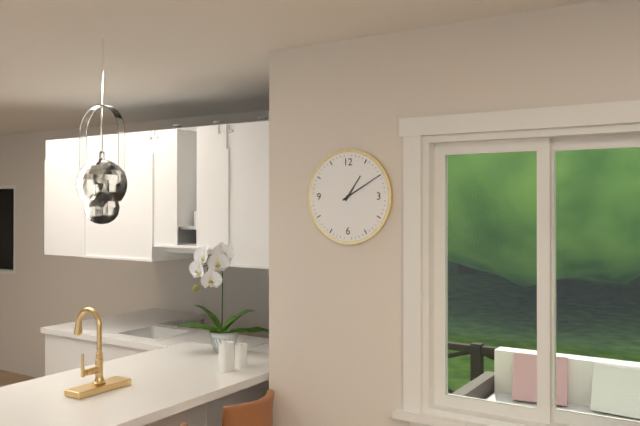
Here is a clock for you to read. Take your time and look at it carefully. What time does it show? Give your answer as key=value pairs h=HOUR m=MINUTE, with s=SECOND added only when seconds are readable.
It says h=1 m=10
